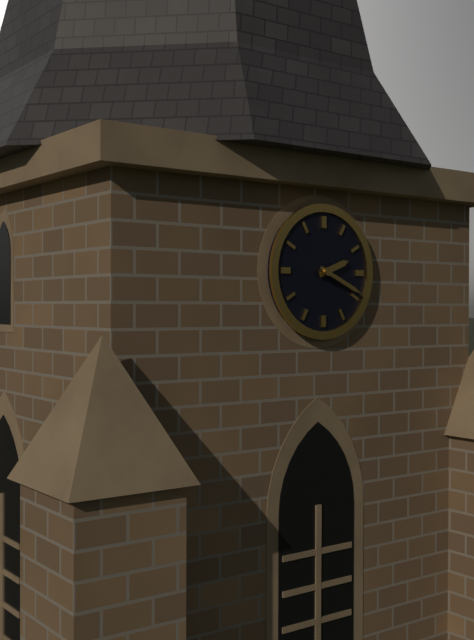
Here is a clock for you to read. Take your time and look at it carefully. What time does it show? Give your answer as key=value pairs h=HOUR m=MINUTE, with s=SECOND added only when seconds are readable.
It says h=2 m=19
